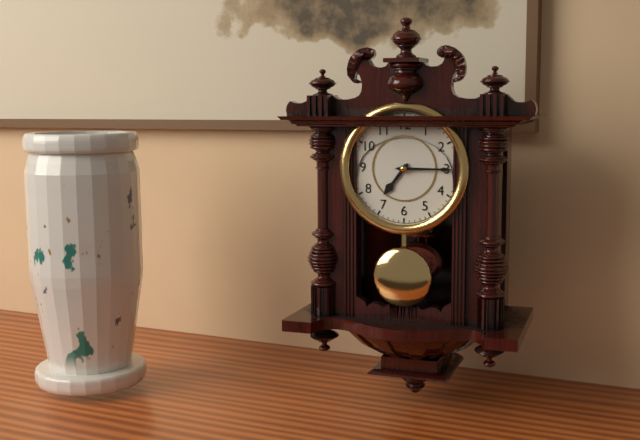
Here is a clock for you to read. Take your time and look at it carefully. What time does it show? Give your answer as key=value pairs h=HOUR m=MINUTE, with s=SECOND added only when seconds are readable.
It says h=7 m=15
